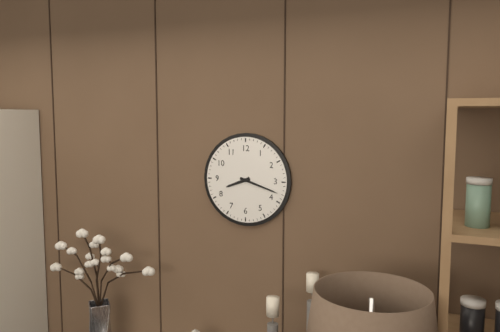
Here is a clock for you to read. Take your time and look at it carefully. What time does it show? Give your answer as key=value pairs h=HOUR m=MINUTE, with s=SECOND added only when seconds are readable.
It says h=8 m=18
